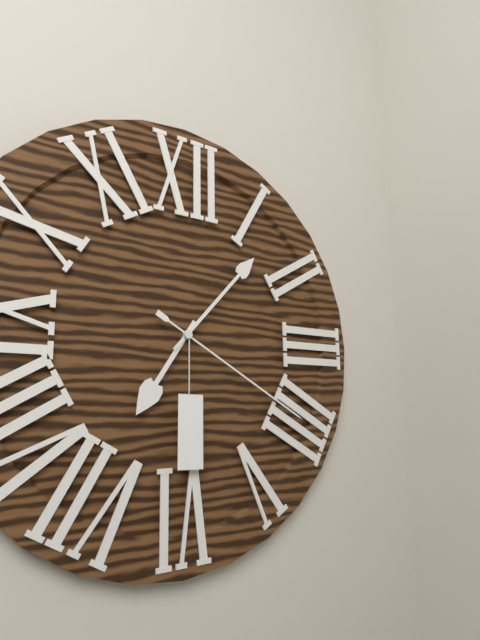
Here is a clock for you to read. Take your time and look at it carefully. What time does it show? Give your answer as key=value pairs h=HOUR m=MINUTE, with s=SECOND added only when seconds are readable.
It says h=7 m=7 s=20
